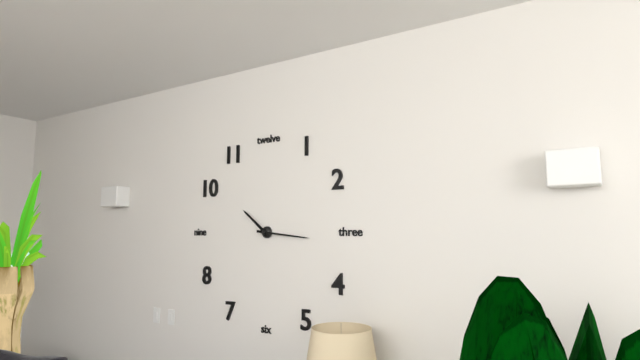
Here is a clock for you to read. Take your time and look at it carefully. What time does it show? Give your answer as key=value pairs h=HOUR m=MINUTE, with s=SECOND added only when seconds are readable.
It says h=10 m=16
